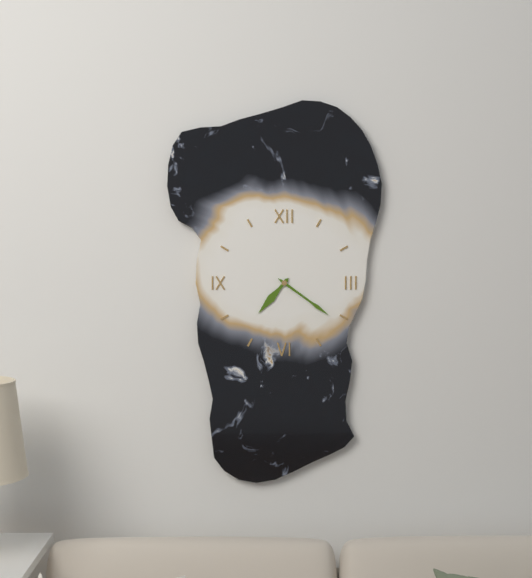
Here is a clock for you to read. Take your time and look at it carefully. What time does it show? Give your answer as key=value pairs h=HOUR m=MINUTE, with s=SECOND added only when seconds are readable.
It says h=7 m=21
